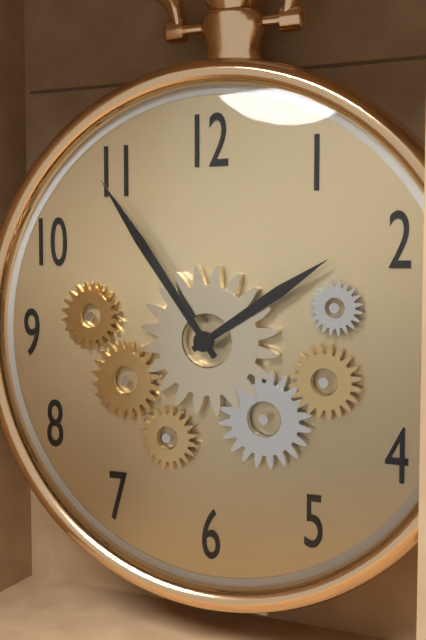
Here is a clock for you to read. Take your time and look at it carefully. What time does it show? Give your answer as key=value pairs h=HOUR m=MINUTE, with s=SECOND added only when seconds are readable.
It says h=1 m=54
